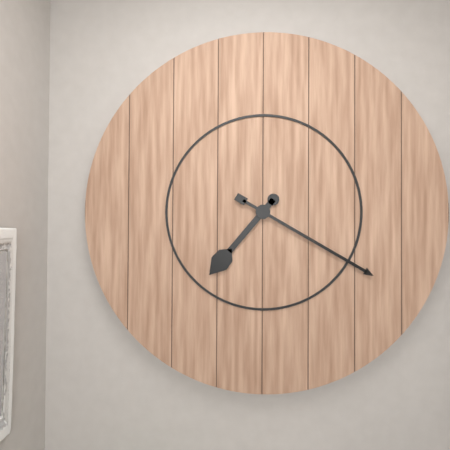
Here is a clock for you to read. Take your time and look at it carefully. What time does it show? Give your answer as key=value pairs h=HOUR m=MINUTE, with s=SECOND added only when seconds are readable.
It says h=7 m=20
